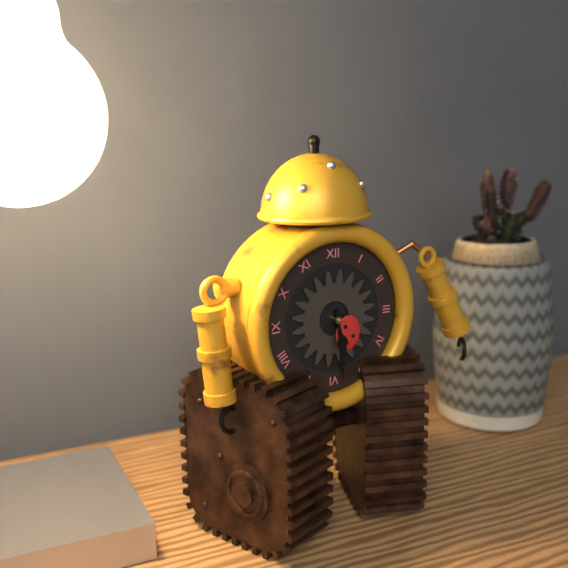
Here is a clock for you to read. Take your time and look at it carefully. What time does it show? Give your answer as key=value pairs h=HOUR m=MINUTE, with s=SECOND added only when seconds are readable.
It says h=5 m=29
